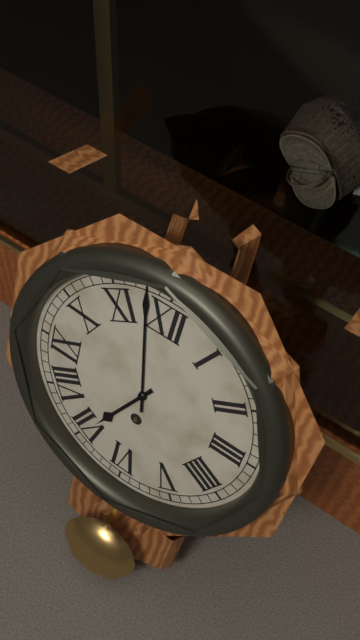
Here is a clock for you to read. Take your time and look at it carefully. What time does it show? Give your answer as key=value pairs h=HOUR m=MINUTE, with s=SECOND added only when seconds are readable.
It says h=6 m=58
